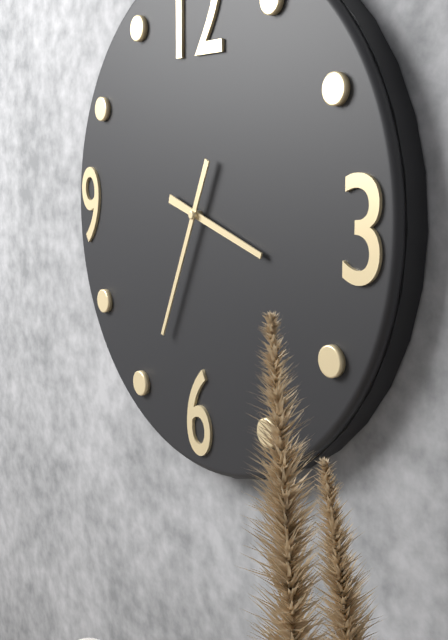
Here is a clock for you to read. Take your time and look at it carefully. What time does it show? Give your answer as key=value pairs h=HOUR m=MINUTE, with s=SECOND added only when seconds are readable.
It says h=3 m=34
